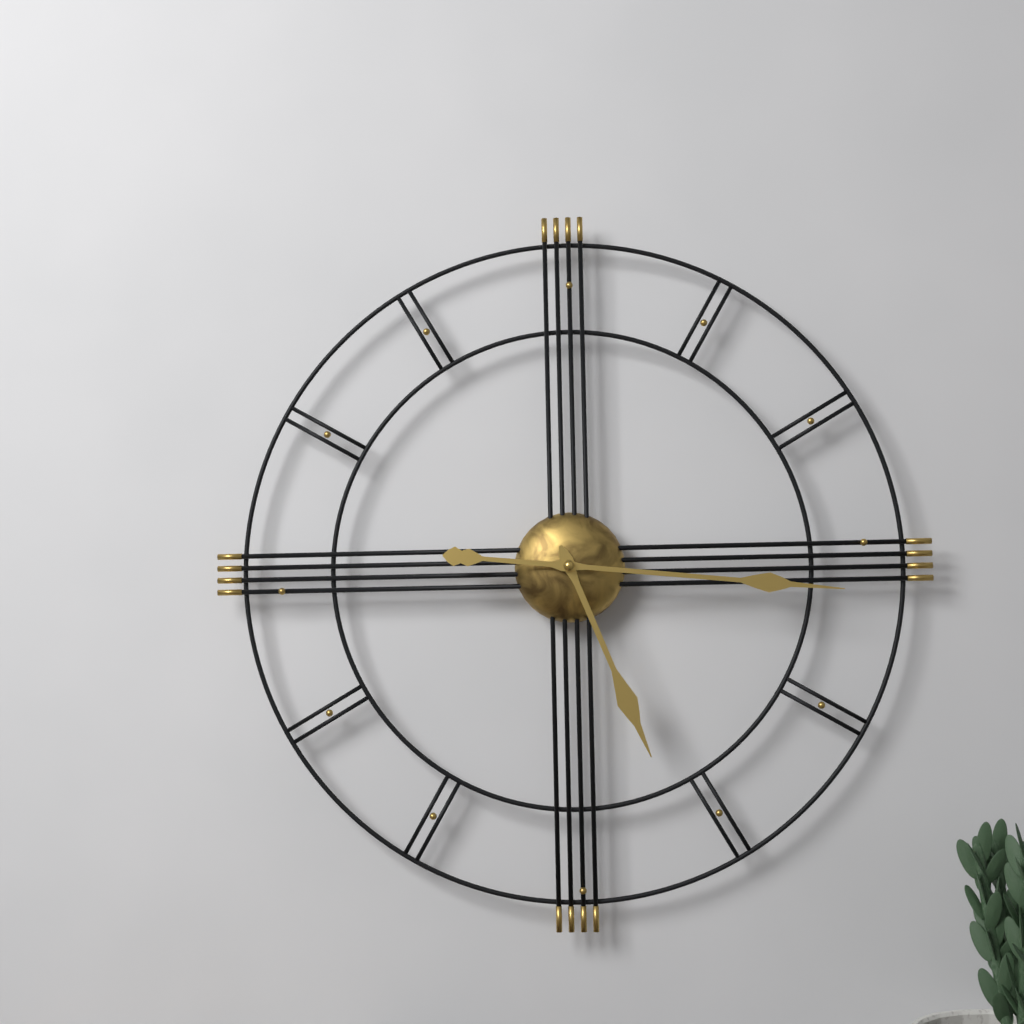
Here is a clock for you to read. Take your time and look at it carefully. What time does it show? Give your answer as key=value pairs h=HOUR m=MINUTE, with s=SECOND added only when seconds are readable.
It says h=5 m=16
